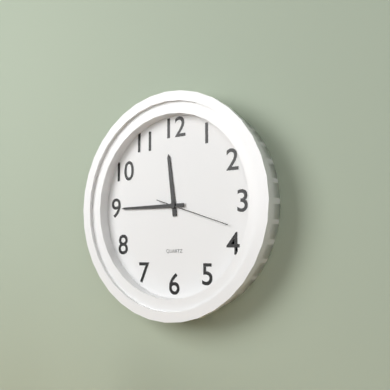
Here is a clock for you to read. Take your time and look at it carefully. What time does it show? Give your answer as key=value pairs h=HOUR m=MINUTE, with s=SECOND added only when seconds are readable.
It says h=11 m=45 s=18
